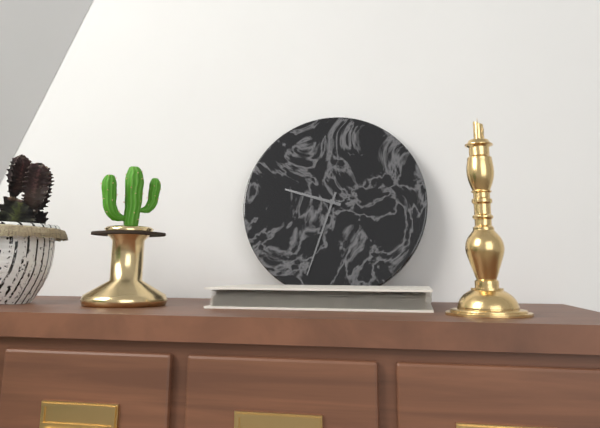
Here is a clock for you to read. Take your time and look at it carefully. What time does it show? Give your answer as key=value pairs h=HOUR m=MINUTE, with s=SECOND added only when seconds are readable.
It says h=9 m=33
